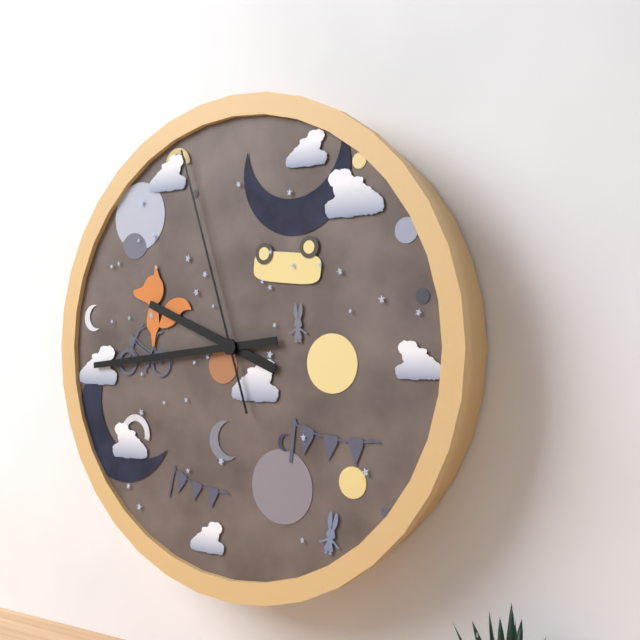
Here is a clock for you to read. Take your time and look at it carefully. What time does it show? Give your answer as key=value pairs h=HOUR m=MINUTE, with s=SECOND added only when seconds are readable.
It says h=9 m=44 s=57
